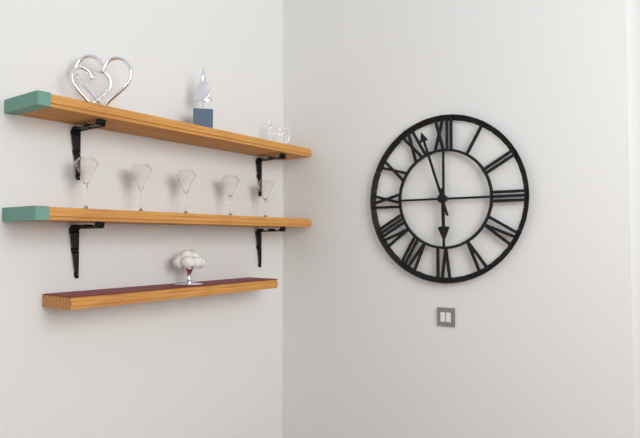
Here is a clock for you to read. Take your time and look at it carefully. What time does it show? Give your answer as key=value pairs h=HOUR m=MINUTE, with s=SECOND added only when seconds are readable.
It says h=5 m=57
